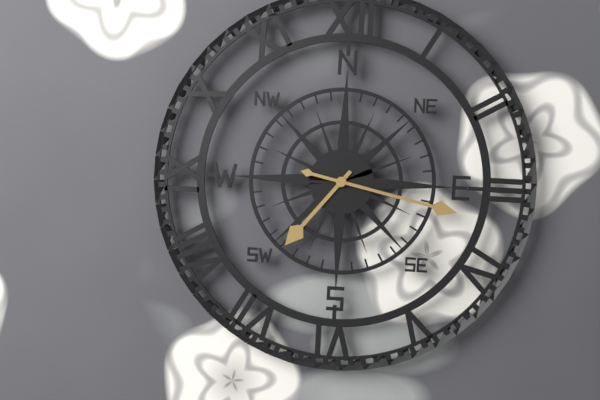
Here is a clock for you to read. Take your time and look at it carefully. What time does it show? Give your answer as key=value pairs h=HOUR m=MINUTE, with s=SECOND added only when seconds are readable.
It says h=7 m=17
